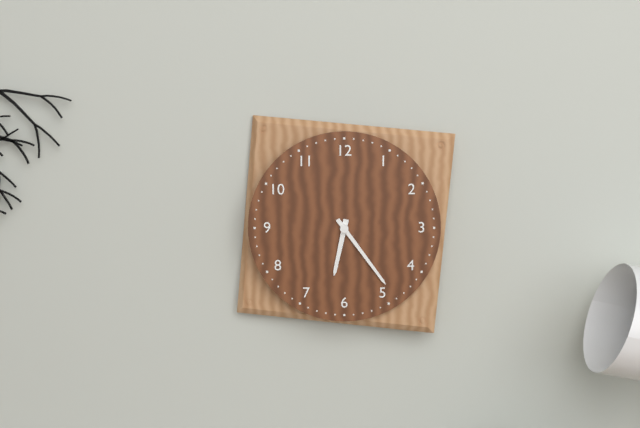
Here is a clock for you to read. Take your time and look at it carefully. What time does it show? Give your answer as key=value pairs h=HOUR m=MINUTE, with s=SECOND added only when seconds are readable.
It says h=6 m=24
